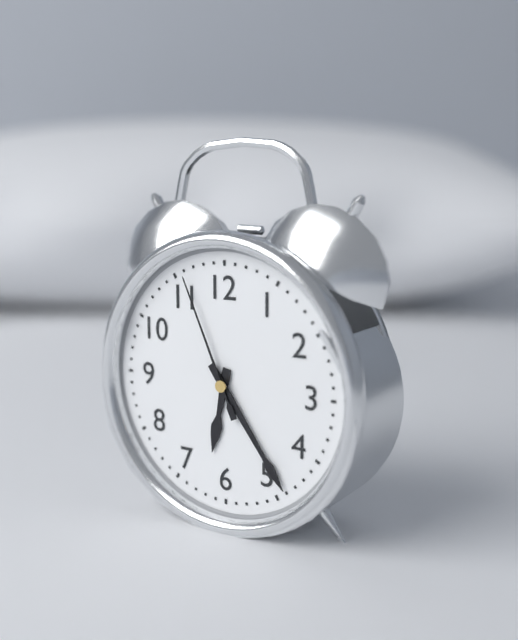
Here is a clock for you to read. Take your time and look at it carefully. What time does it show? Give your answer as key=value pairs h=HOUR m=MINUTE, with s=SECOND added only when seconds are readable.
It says h=6 m=24 s=56
